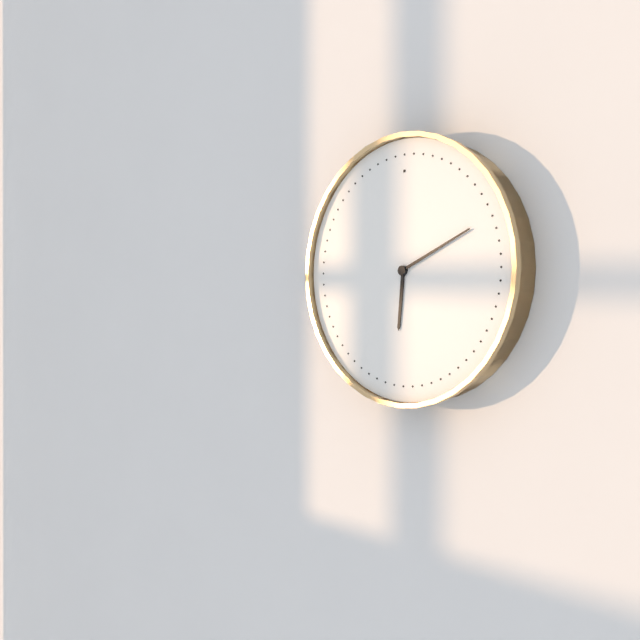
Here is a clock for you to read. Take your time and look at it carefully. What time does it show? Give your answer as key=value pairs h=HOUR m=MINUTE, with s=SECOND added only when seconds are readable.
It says h=6 m=11
